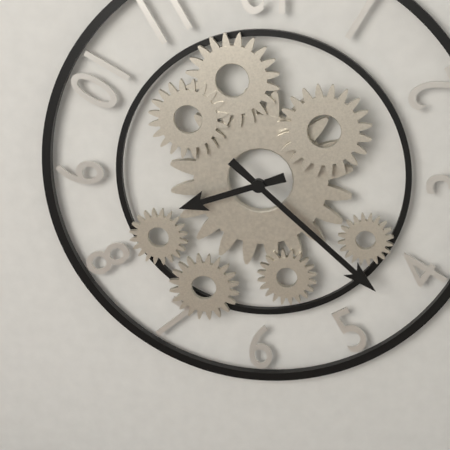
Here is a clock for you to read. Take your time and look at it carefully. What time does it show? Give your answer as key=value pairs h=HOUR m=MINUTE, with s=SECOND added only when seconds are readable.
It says h=8 m=22
